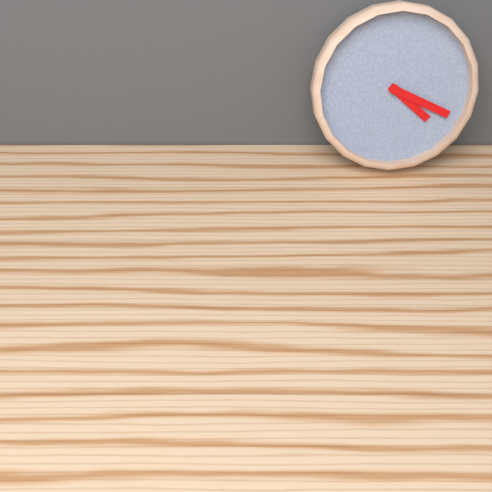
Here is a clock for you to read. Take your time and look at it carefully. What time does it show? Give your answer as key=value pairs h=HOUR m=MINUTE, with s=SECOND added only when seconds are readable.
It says h=4 m=19
